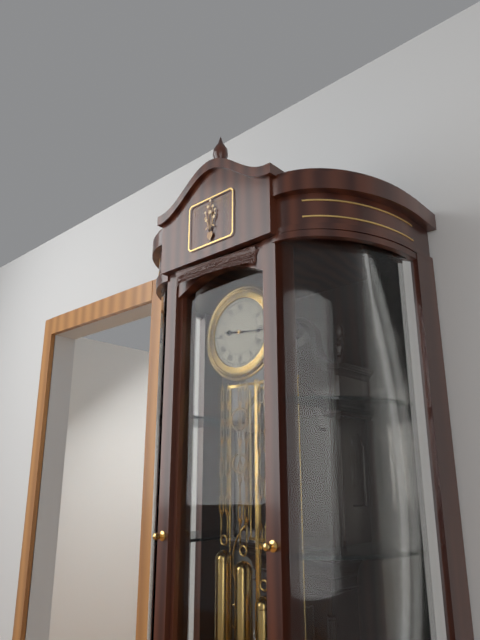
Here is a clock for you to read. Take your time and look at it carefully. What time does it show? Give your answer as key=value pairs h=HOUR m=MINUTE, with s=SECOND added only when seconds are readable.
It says h=9 m=16
